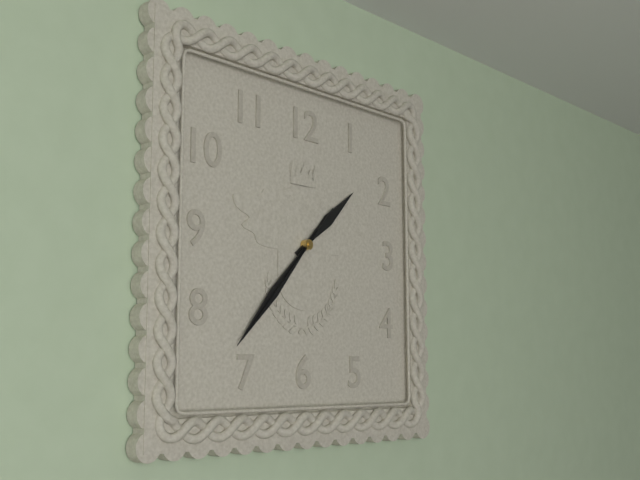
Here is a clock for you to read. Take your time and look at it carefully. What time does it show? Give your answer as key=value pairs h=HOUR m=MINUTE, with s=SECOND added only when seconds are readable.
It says h=1 m=37 s=37
